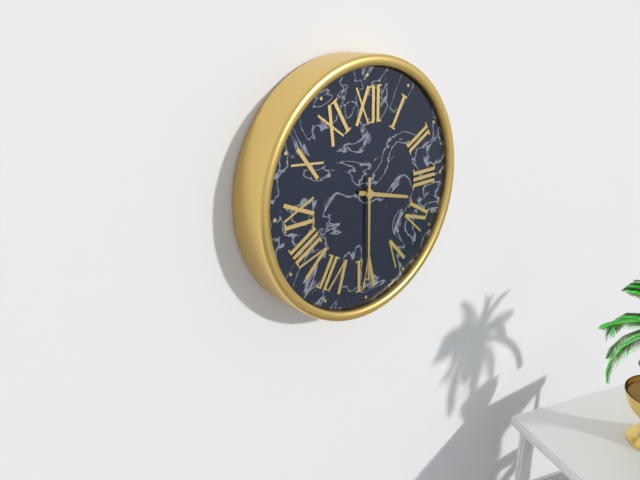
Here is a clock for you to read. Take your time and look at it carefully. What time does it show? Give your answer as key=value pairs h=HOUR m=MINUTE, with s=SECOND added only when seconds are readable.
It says h=3 m=30
